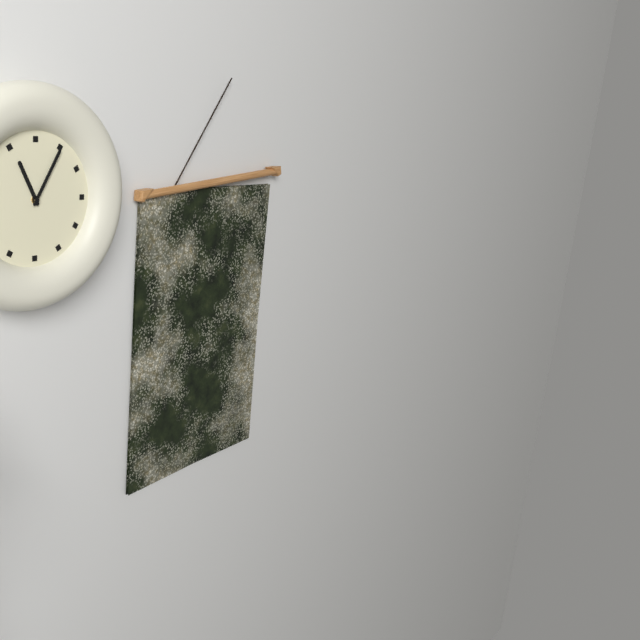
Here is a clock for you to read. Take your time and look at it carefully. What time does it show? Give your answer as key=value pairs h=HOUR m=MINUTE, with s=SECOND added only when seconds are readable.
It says h=11 m=5
